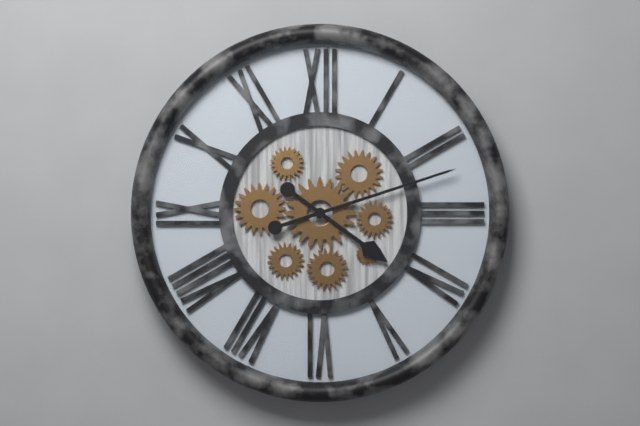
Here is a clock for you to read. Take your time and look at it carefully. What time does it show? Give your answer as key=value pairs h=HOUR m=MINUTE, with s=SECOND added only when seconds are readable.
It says h=4 m=12
